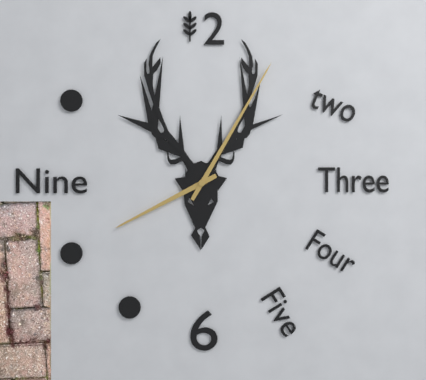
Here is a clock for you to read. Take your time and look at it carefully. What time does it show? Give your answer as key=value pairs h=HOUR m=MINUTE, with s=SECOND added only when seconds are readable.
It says h=8 m=5
